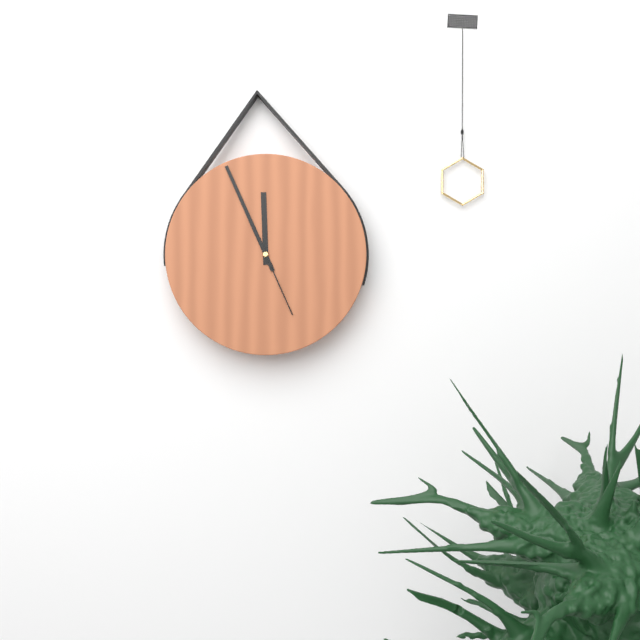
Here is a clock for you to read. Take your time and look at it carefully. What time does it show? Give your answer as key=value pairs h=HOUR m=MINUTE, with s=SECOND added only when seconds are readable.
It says h=11 m=56 s=26
